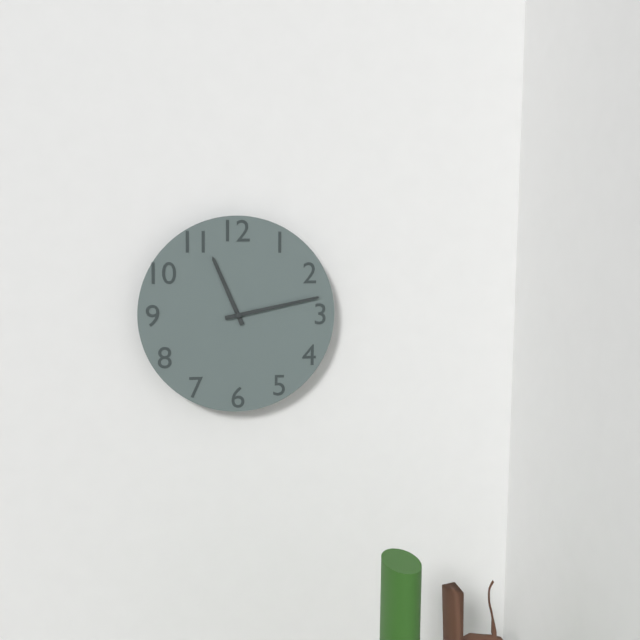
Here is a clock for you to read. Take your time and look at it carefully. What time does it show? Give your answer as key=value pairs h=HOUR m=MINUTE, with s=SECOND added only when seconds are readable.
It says h=11 m=13
